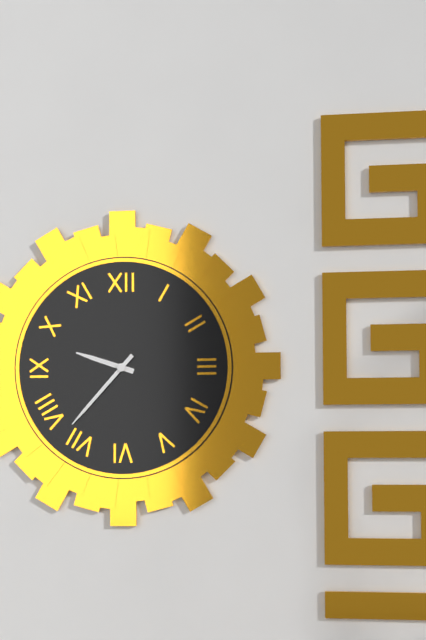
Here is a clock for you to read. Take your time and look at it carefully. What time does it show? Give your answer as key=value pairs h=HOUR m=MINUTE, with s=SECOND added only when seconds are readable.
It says h=9 m=37
